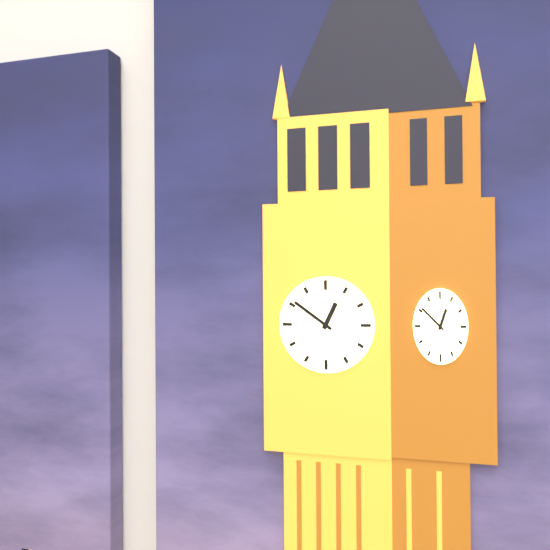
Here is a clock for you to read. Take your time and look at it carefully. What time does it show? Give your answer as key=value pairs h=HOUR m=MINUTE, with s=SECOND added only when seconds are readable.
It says h=12 m=51
